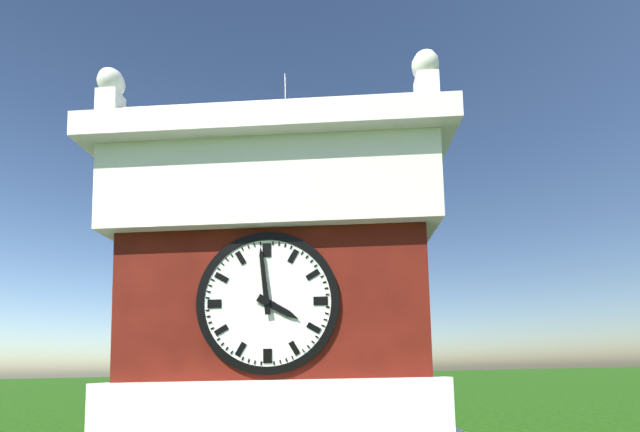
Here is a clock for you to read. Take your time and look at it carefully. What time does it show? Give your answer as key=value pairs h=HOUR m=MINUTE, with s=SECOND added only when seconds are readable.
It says h=3 m=59
